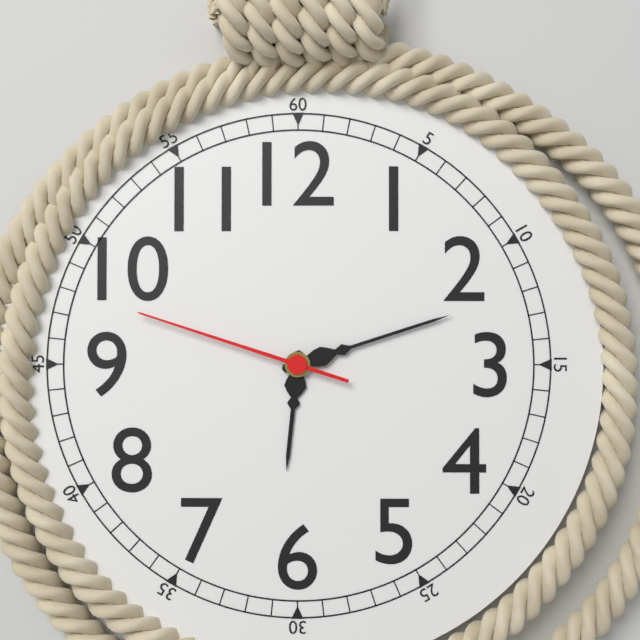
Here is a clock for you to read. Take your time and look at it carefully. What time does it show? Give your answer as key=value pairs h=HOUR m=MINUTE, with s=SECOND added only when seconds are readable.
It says h=6 m=12 s=48
